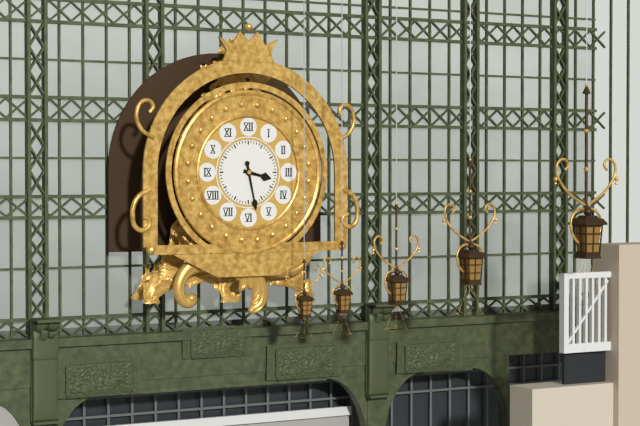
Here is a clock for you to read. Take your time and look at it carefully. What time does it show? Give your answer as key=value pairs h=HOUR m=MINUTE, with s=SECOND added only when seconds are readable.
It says h=3 m=28
